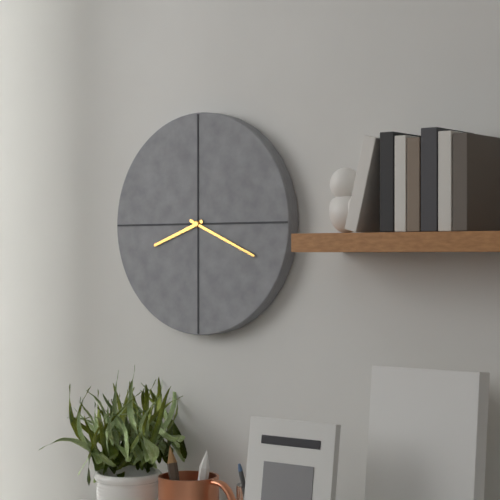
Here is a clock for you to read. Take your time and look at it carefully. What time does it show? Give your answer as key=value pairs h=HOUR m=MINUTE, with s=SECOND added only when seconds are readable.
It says h=8 m=19
